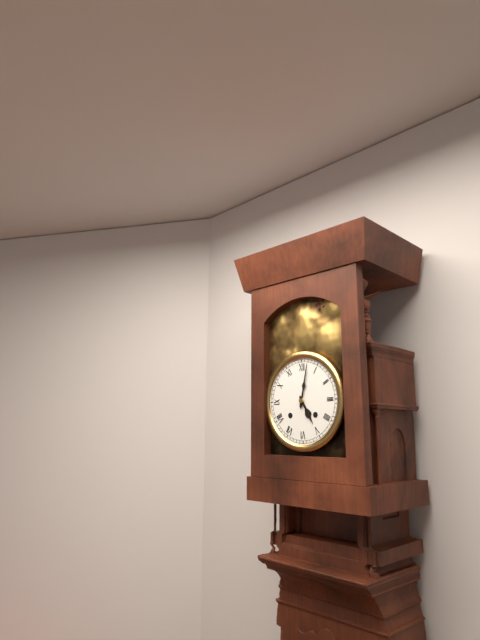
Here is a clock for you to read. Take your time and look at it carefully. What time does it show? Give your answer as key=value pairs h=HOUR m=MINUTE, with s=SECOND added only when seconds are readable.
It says h=5 m=2
